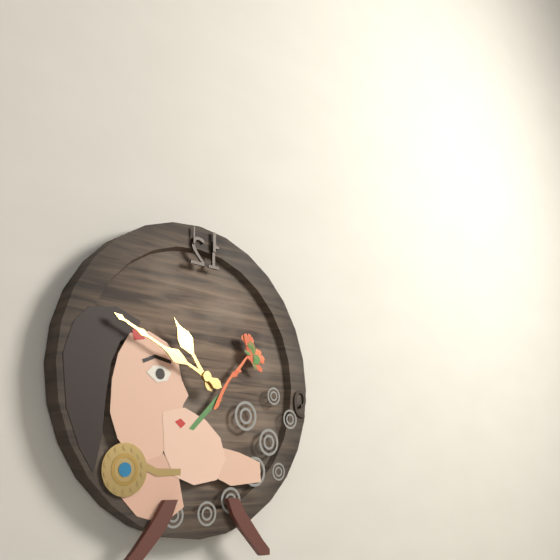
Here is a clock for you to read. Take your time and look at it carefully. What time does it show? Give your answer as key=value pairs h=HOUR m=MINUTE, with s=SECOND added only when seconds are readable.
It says h=10 m=49
